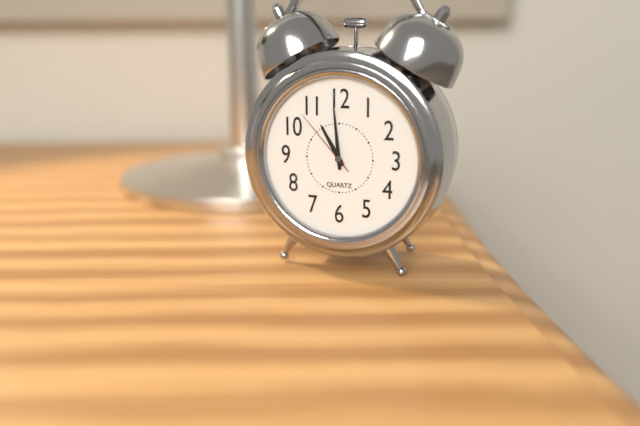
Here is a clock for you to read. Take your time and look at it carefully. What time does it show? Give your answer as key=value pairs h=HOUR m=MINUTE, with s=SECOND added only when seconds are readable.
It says h=10 m=59 s=53
